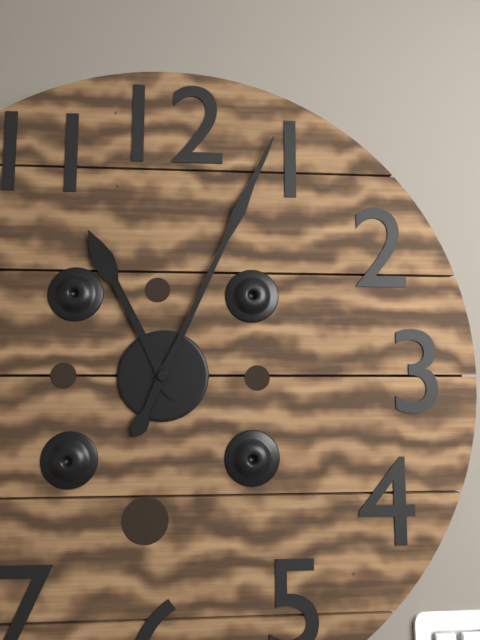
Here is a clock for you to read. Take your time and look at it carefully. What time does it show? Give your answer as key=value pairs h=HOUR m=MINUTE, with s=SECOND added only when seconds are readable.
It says h=11 m=4
